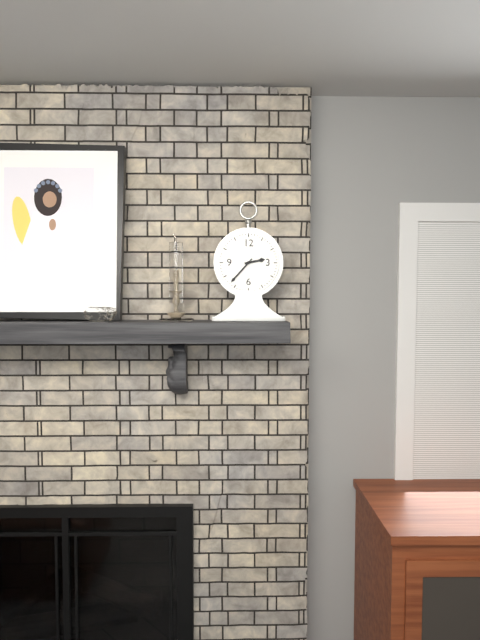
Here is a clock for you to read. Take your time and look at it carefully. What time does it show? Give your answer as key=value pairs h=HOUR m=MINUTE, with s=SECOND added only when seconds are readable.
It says h=2 m=37
